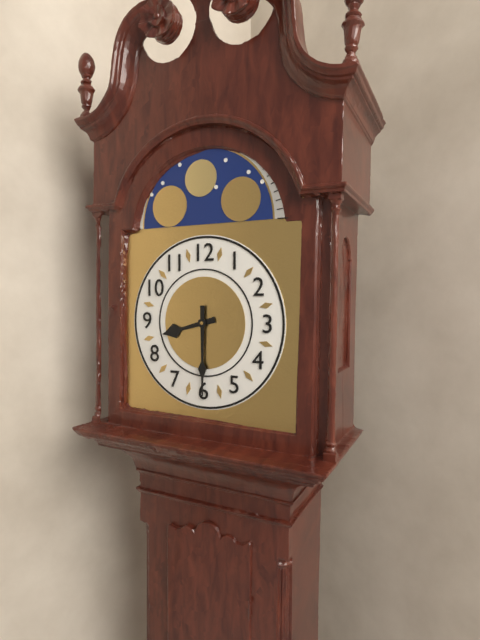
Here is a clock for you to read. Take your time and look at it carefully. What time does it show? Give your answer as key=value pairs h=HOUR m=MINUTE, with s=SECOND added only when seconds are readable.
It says h=8 m=30
